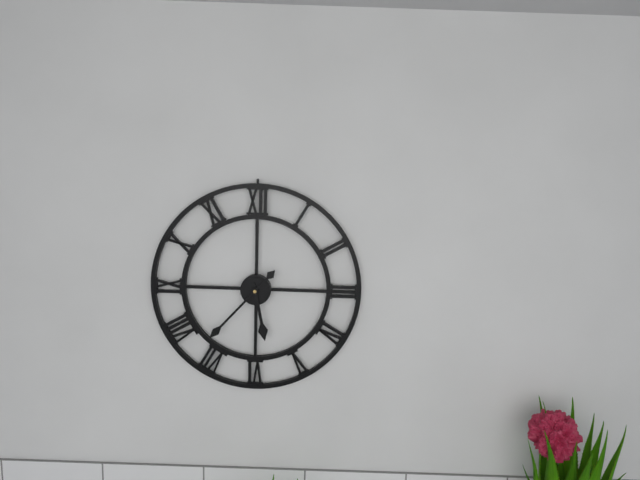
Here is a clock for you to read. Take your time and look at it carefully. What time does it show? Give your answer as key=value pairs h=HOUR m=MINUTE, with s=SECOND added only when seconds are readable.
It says h=5 m=37
